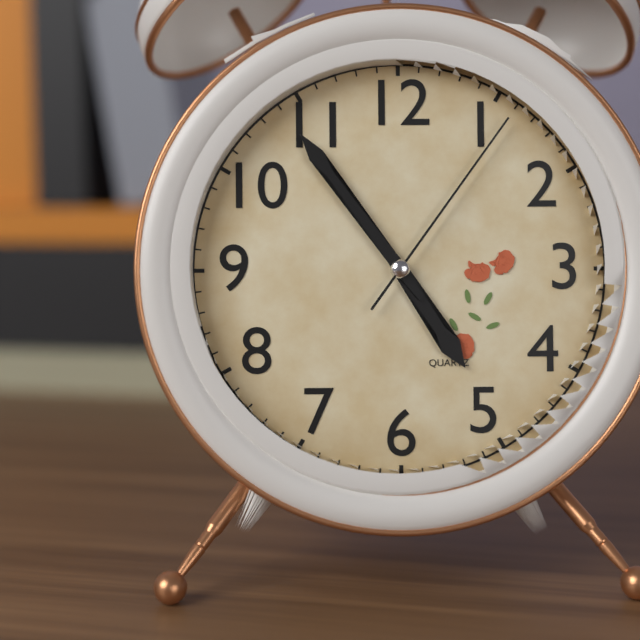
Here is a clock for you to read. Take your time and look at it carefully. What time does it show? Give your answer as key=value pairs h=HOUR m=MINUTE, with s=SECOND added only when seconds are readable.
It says h=4 m=54 s=6
